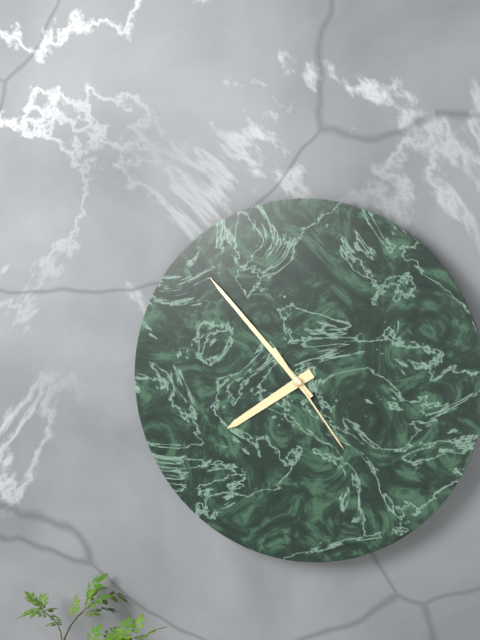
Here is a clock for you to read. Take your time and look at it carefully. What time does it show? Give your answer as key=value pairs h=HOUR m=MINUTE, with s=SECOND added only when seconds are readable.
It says h=7 m=53 s=24
